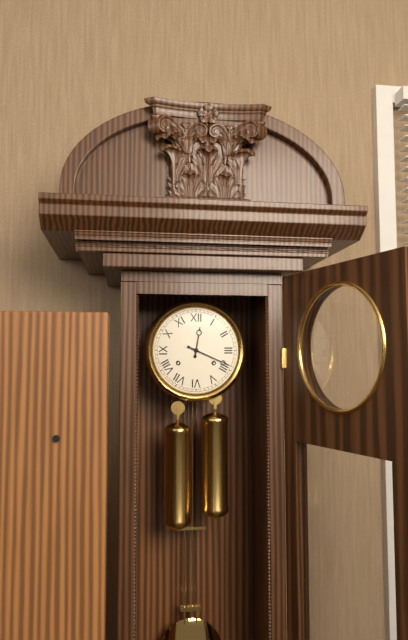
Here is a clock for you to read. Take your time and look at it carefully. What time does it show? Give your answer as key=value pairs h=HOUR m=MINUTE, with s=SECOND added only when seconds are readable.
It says h=12 m=19
